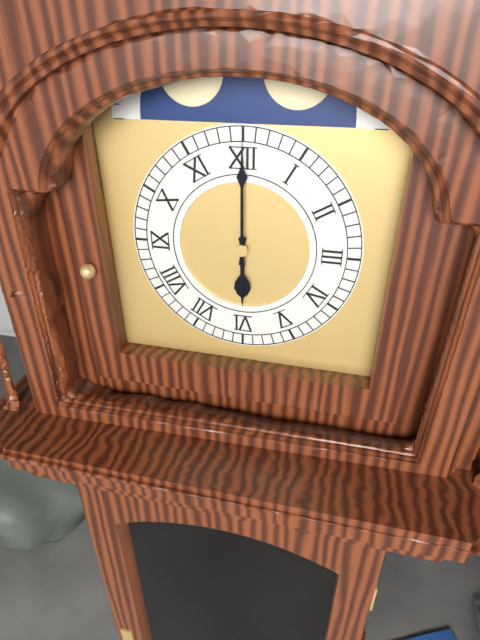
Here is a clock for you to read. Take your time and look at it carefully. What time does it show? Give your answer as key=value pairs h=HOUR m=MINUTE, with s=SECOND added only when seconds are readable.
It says h=6 m=0
